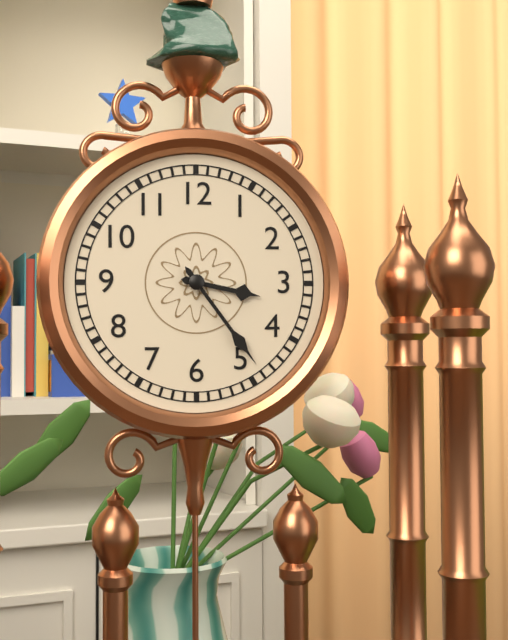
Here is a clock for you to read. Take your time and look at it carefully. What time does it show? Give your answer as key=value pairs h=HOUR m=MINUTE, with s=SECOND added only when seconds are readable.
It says h=3 m=24
